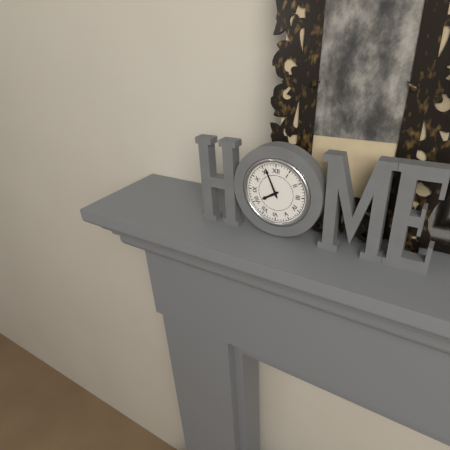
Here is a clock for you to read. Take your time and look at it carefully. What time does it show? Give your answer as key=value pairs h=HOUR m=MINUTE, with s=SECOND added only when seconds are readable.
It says h=7 m=56
